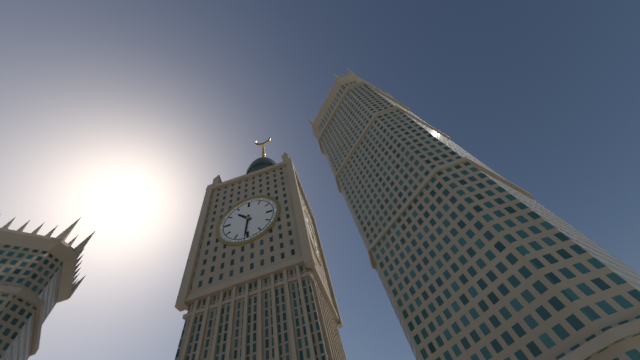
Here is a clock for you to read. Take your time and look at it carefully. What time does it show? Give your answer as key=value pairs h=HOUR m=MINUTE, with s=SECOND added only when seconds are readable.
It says h=10 m=31
